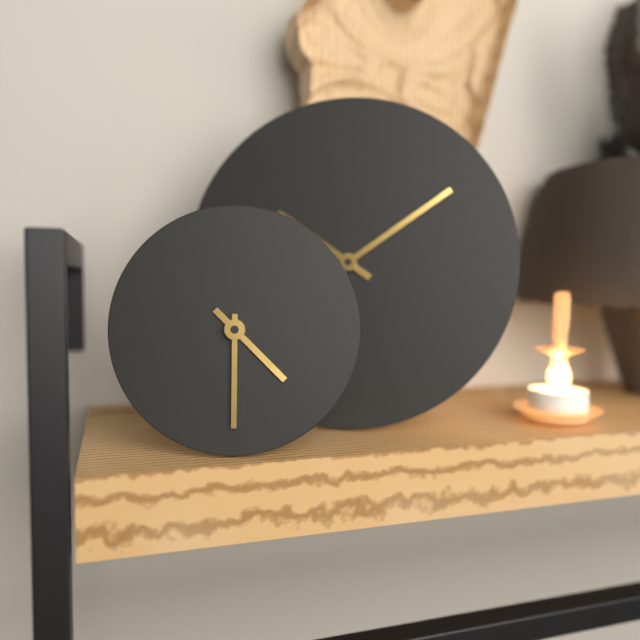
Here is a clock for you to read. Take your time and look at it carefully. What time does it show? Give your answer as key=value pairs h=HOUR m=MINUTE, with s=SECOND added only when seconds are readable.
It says h=4 m=30
